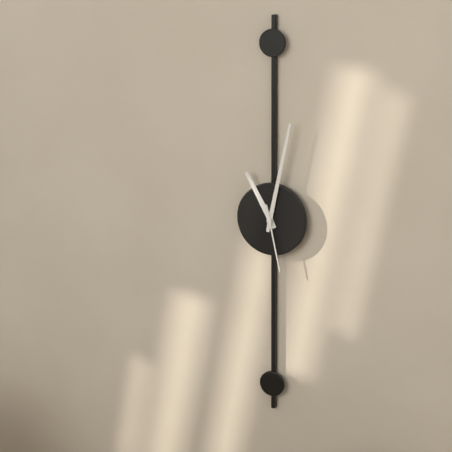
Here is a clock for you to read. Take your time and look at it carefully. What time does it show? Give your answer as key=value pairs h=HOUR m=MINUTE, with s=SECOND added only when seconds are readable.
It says h=11 m=2 s=28
